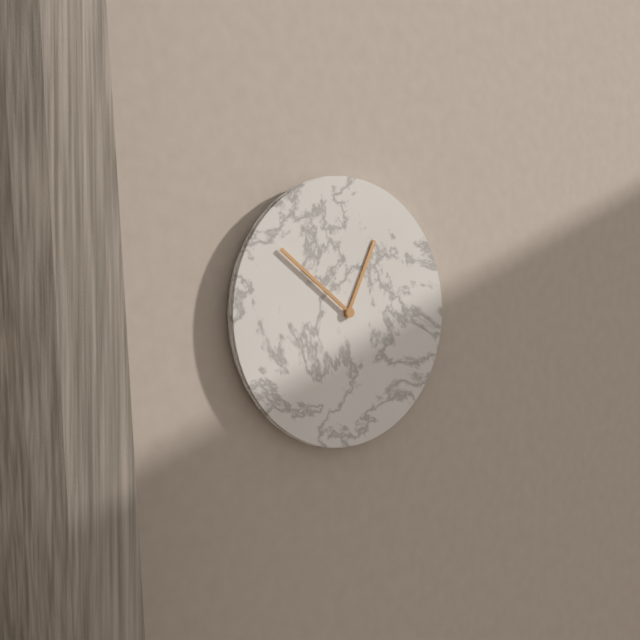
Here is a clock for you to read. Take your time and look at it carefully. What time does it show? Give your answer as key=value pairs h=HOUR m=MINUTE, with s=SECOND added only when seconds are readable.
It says h=12 m=51
